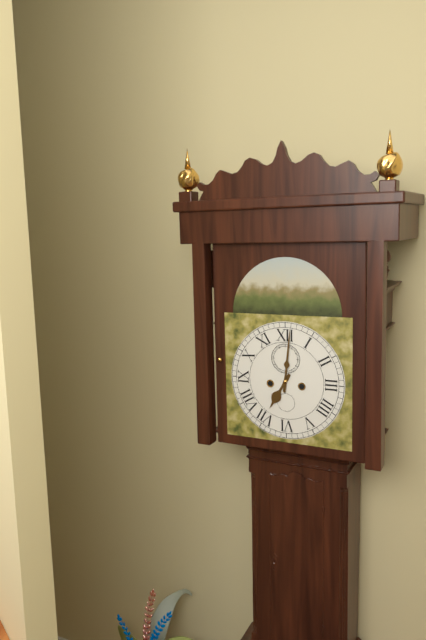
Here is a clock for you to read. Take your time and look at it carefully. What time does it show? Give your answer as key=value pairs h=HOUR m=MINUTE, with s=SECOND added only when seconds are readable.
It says h=7 m=1
